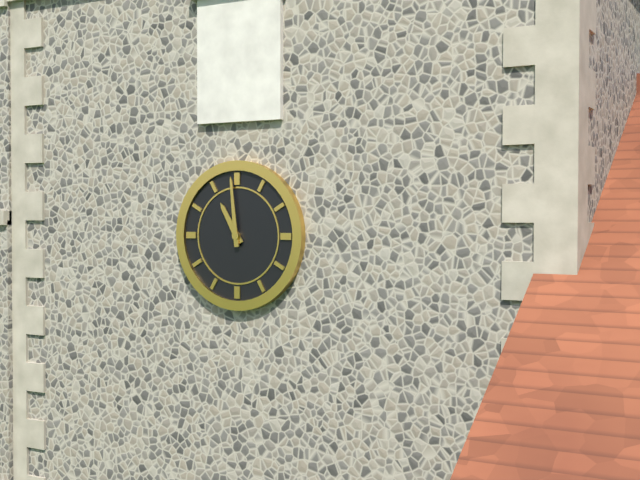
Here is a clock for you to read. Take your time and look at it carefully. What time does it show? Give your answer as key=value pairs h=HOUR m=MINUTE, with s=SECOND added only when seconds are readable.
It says h=10 m=59
